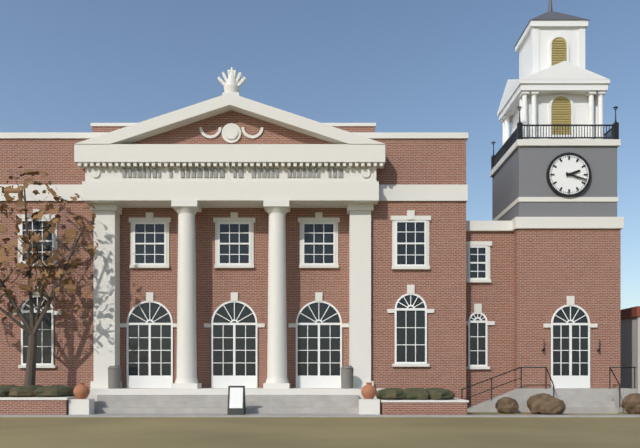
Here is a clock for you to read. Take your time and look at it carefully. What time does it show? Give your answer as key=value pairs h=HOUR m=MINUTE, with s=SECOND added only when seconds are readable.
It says h=2 m=18
